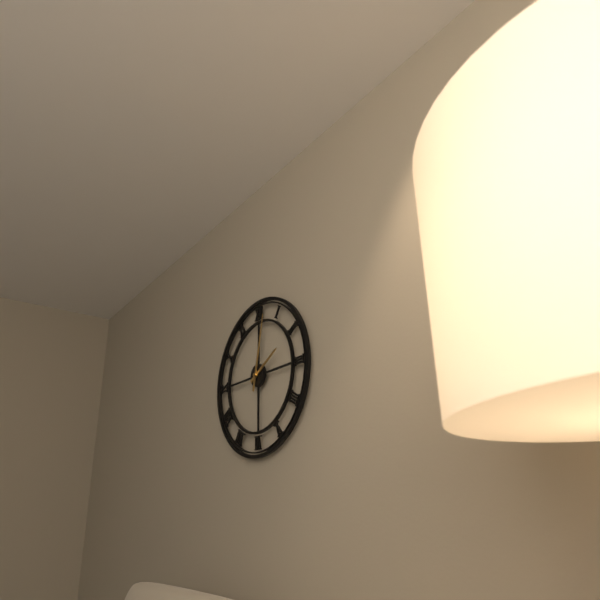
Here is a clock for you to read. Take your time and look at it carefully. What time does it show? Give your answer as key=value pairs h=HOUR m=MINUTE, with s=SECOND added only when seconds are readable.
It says h=2 m=2
